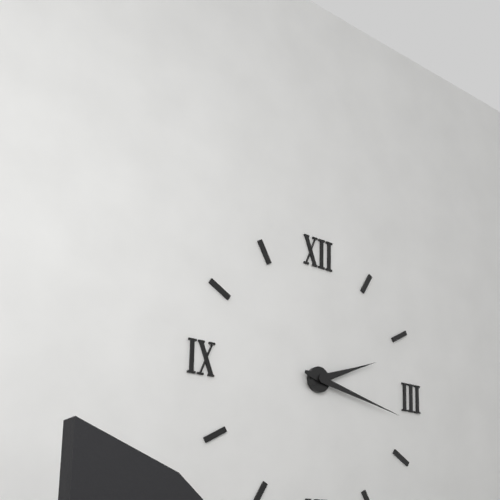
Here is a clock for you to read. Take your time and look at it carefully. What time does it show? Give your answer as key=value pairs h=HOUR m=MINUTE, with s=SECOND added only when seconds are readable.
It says h=2 m=17
